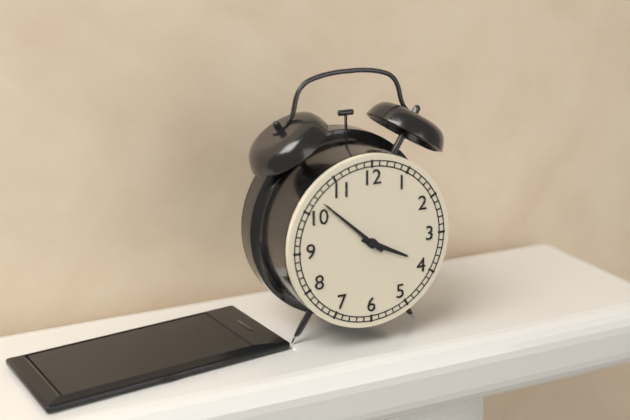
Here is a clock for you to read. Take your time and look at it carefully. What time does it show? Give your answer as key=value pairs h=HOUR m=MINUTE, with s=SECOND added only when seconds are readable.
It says h=3 m=52
